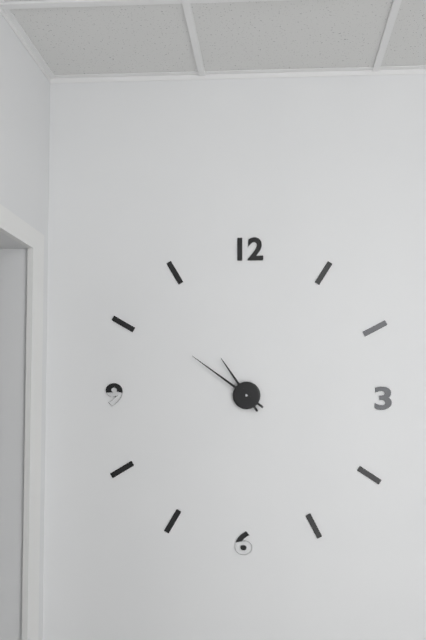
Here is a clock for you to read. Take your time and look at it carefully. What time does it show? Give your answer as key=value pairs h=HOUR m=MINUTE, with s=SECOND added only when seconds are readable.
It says h=10 m=51
